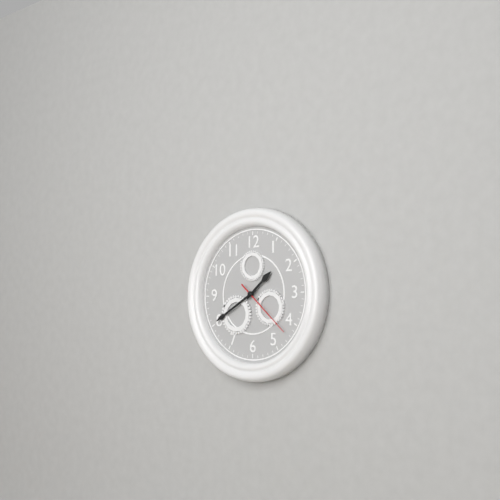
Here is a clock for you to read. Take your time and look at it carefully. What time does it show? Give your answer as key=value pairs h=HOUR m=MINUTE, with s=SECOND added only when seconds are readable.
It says h=1 m=40 s=22
